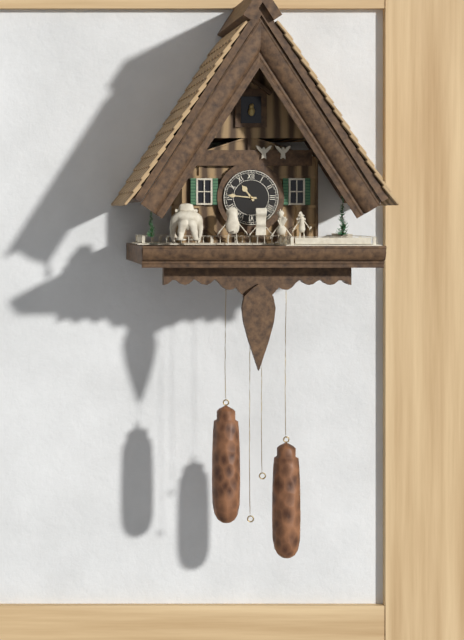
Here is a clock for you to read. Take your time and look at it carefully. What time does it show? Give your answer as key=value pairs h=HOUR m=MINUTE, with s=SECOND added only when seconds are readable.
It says h=10 m=46
